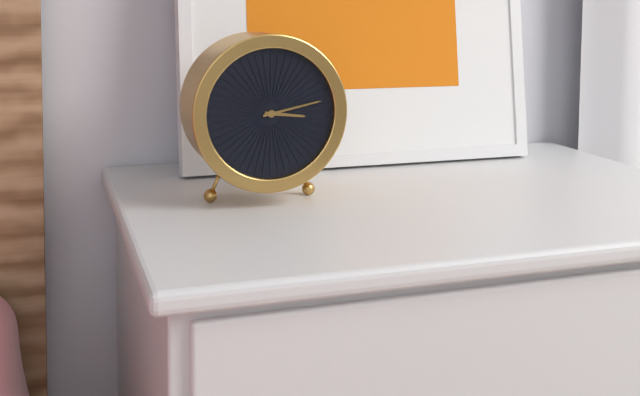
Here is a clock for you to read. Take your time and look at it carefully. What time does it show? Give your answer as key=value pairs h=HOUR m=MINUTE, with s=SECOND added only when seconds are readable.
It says h=3 m=13
